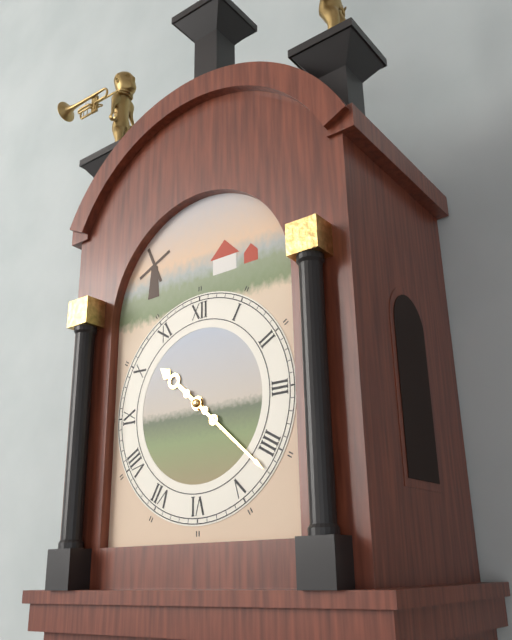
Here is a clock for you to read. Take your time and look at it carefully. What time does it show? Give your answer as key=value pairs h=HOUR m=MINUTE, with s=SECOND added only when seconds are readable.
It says h=10 m=22
